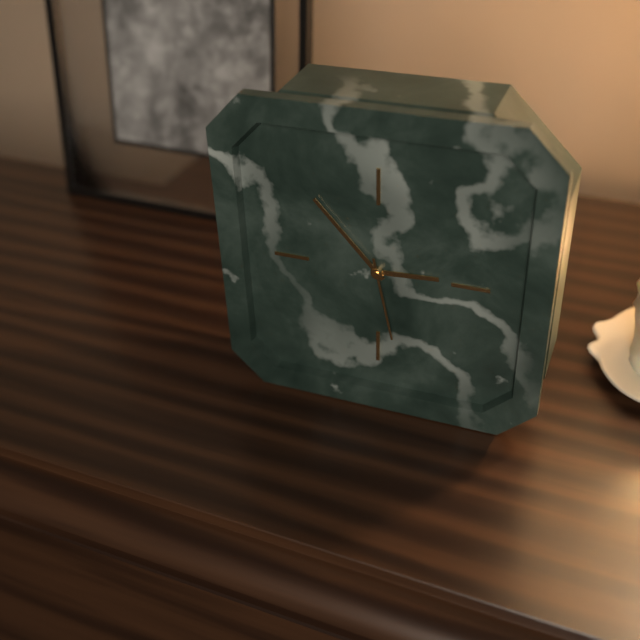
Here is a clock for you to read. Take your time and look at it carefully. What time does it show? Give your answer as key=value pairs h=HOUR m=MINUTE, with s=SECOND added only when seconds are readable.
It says h=2 m=53 s=28
